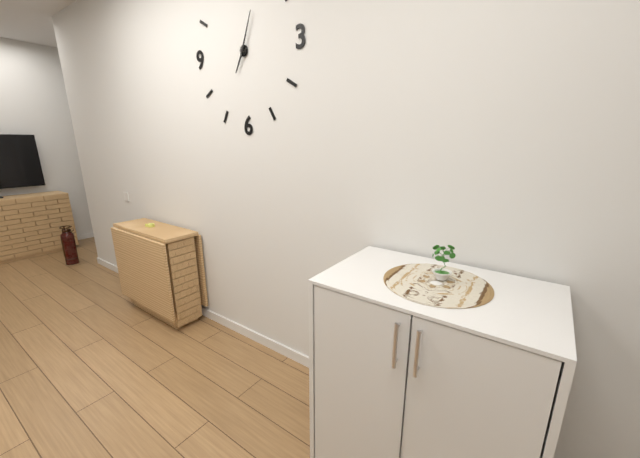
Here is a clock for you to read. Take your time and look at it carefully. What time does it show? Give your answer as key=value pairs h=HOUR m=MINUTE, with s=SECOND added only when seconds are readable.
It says h=7 m=4
